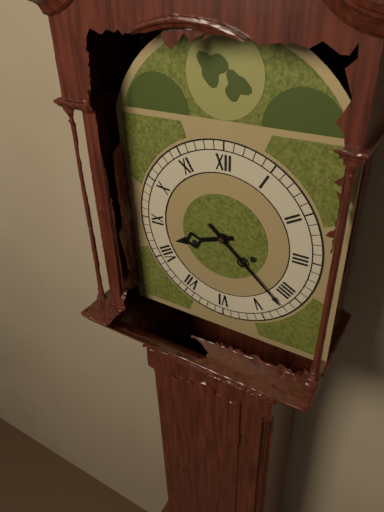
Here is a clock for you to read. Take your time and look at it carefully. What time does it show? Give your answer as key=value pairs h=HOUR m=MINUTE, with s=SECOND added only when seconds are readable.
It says h=8 m=22
